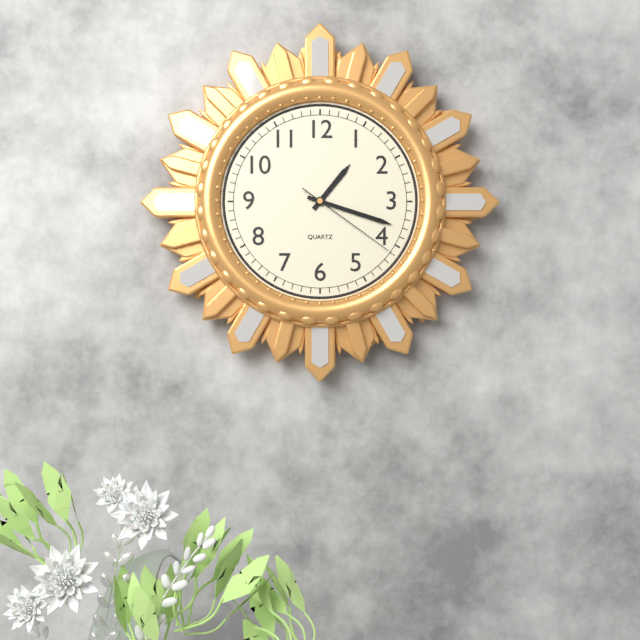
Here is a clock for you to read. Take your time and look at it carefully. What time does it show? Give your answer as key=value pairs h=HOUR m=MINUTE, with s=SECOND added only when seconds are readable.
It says h=1 m=18 s=21
